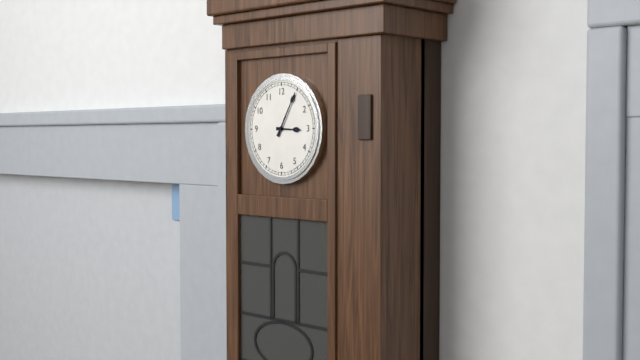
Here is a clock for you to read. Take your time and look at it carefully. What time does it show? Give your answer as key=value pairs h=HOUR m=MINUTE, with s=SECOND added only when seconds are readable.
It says h=3 m=5
